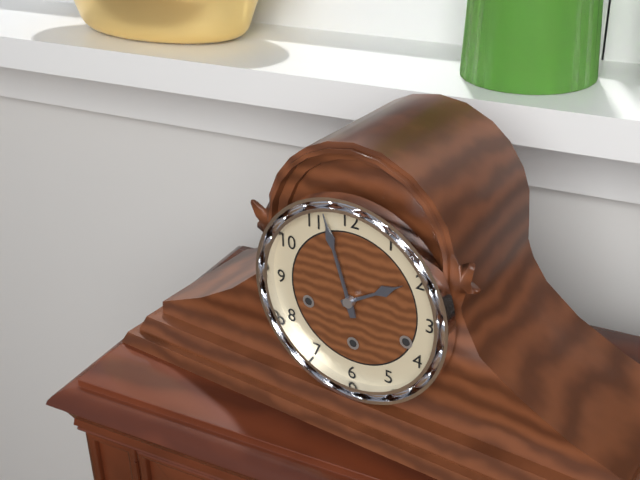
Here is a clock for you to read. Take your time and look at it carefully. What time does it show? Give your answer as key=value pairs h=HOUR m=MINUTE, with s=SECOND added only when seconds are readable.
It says h=1 m=57
